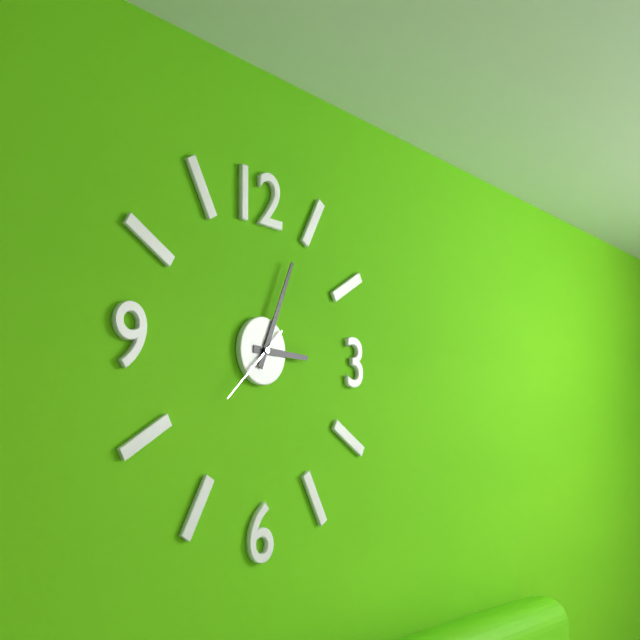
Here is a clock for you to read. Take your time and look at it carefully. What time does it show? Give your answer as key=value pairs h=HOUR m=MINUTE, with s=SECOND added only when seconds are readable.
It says h=3 m=4 s=38
